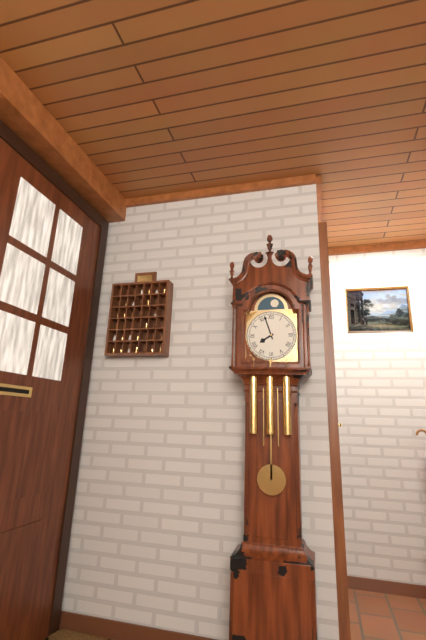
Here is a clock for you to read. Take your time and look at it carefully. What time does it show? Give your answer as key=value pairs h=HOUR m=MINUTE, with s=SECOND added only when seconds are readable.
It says h=7 m=57
